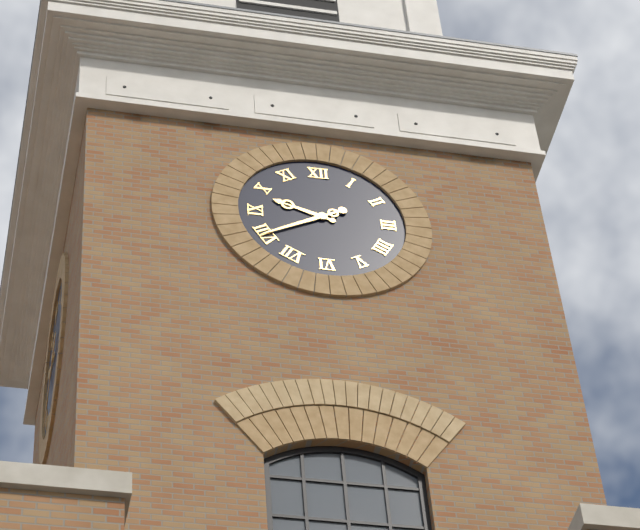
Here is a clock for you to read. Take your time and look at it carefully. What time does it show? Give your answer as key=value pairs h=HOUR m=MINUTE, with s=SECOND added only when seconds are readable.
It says h=9 m=40
